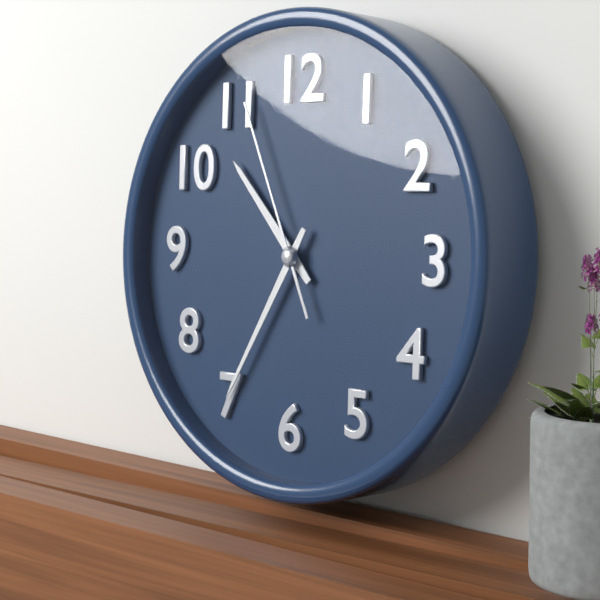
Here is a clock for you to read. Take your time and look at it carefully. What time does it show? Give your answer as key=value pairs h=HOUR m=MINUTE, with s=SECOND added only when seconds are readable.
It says h=10 m=35 s=56
